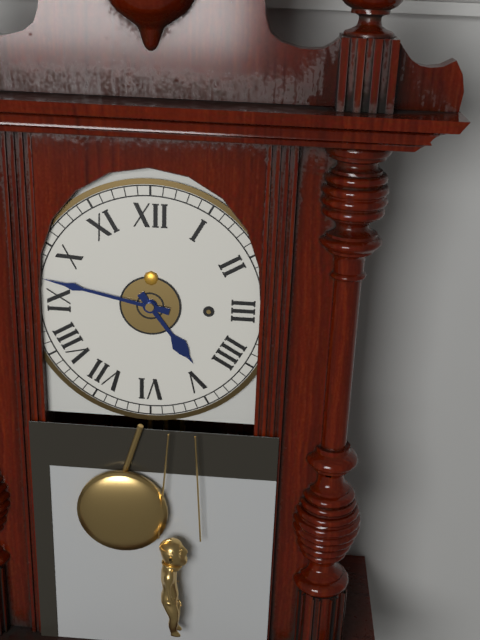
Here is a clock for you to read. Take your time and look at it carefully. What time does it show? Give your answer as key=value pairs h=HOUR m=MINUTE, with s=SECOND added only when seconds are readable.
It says h=4 m=47
